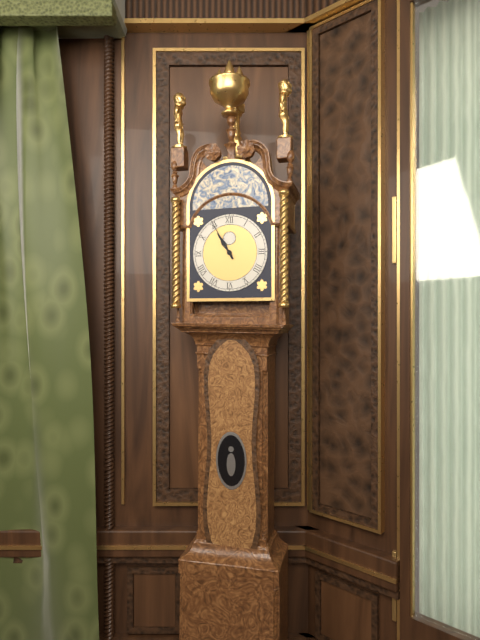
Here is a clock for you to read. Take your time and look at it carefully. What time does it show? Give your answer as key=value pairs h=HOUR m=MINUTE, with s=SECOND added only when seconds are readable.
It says h=10 m=55
